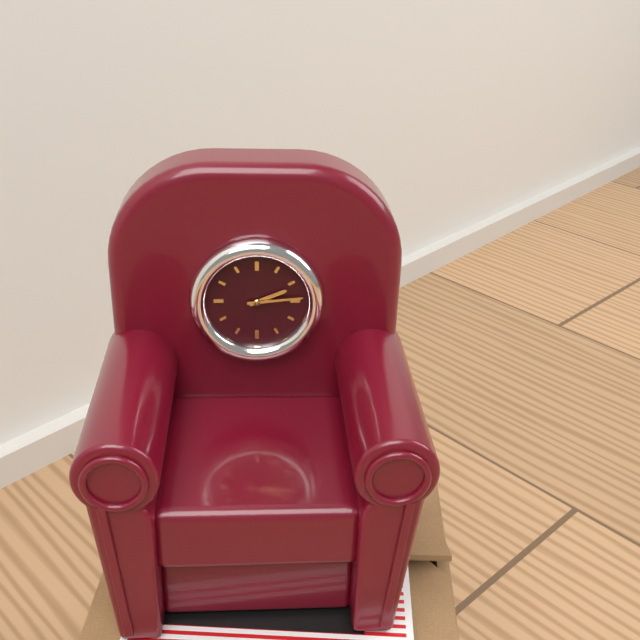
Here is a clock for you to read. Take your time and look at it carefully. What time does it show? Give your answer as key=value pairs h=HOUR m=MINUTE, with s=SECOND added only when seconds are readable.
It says h=2 m=14
